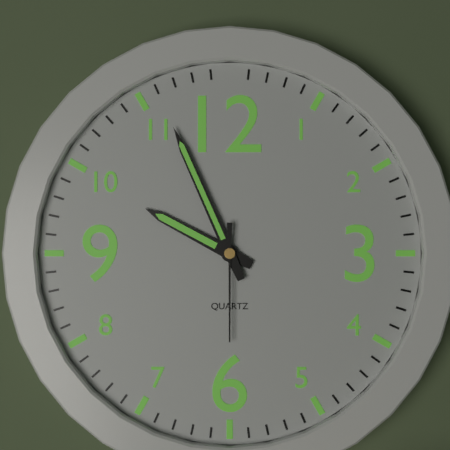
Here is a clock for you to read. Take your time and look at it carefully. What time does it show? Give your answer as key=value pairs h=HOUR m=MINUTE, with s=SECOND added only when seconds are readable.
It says h=9 m=56 s=30
